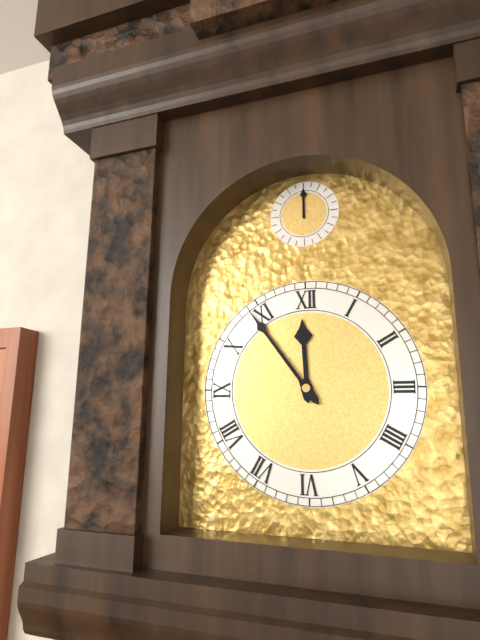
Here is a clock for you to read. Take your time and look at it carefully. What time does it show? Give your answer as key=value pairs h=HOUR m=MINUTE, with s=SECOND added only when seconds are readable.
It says h=11 m=54
